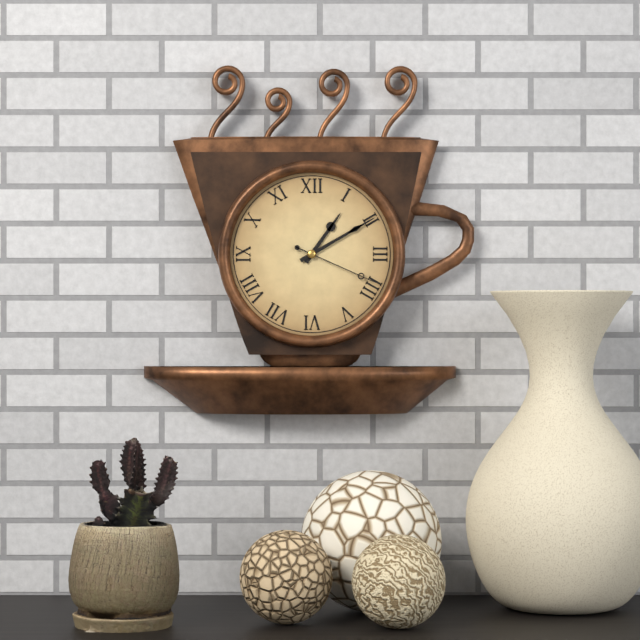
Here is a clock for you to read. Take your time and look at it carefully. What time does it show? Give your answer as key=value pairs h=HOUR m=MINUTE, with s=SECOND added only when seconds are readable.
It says h=1 m=10 s=19
